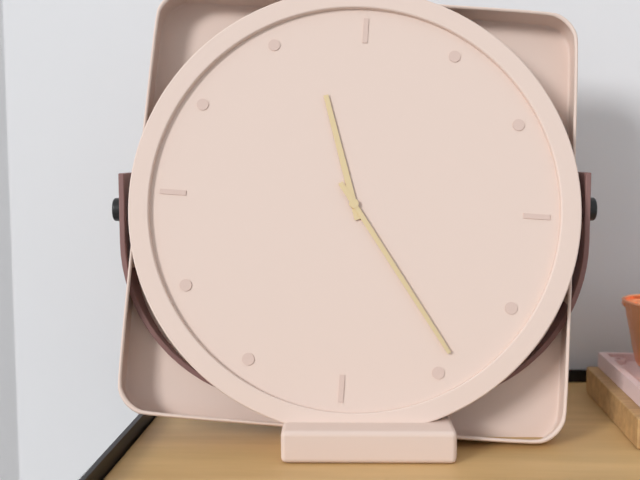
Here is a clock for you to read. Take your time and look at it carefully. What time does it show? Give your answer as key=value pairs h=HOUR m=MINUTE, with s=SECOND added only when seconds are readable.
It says h=11 m=24
